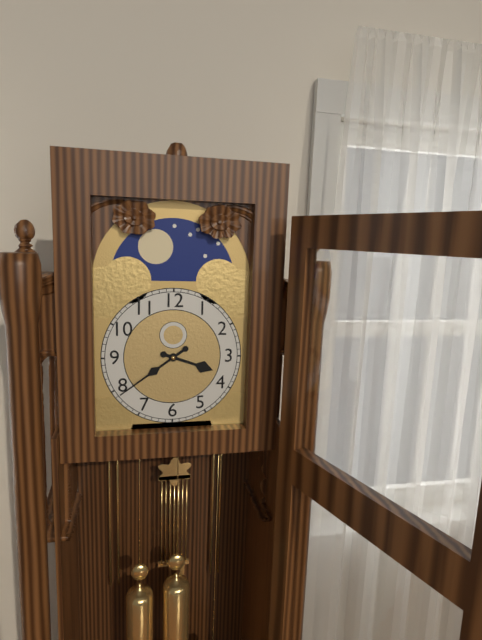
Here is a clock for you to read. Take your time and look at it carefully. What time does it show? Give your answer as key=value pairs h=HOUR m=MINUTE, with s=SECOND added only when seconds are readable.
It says h=3 m=39
